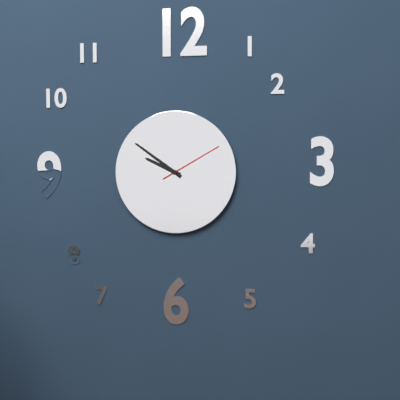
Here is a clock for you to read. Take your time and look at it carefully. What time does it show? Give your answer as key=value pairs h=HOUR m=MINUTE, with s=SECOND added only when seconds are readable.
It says h=9 m=51 s=10
